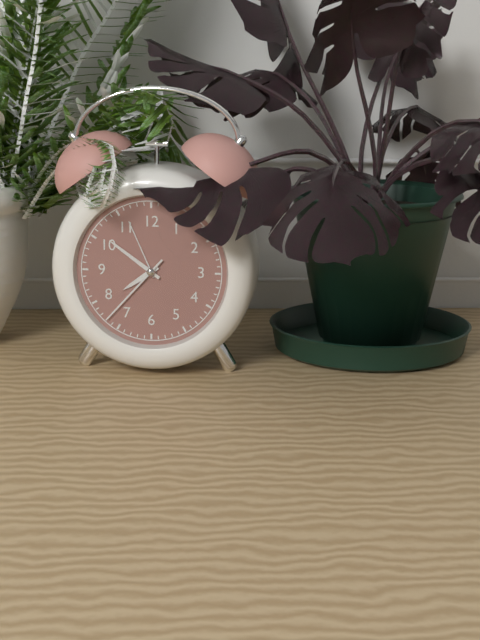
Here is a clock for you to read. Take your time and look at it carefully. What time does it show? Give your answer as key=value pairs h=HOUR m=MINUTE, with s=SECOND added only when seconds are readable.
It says h=7 m=51 s=37
